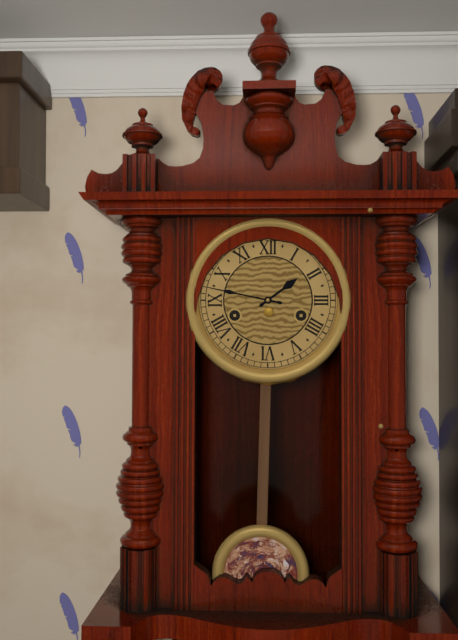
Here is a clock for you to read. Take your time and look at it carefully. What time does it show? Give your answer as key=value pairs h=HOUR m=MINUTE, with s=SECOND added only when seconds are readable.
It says h=1 m=47
